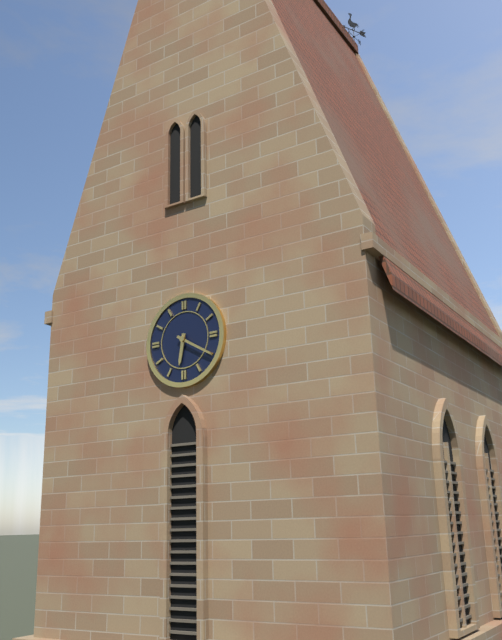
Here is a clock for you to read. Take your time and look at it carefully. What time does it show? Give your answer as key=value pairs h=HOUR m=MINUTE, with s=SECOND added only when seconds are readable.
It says h=6 m=20
